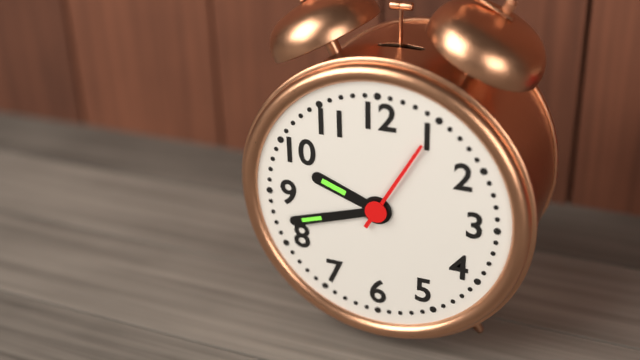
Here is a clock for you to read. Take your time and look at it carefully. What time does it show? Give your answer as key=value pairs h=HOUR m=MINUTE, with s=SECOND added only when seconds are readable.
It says h=9 m=42 s=5
